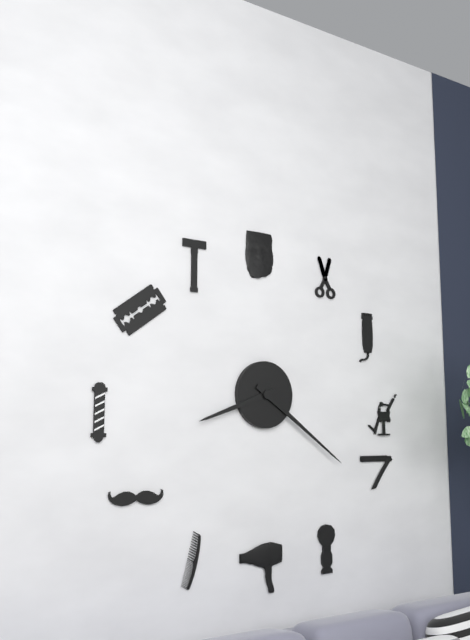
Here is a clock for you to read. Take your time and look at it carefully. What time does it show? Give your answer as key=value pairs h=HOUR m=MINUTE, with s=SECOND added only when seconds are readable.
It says h=8 m=21
